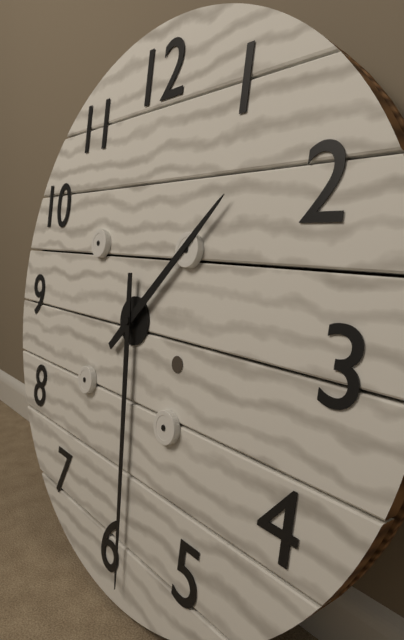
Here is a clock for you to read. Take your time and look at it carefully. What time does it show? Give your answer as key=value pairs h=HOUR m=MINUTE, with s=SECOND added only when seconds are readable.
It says h=1 m=29
